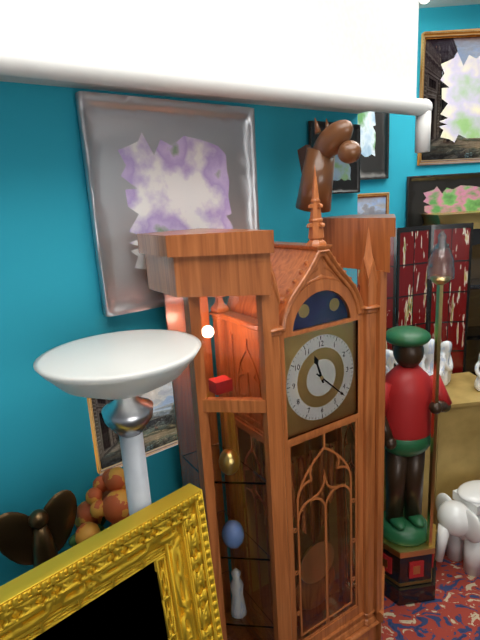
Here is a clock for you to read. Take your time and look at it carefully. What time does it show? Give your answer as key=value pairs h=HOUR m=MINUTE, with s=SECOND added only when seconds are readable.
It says h=11 m=22
